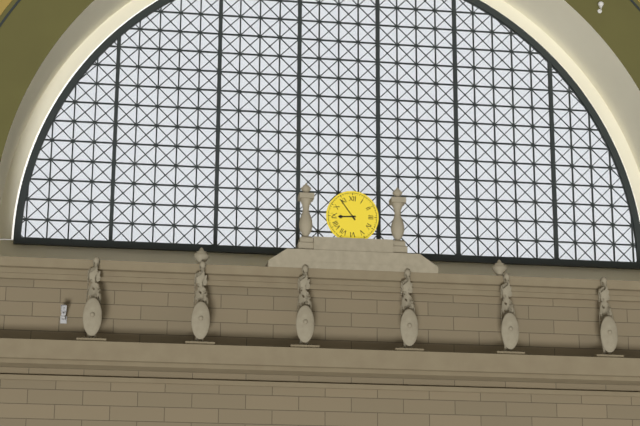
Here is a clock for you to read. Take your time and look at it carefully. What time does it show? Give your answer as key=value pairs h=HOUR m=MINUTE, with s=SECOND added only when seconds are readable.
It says h=8 m=54
